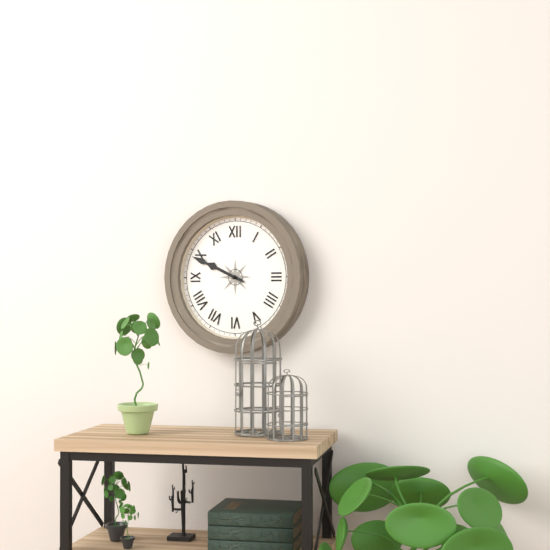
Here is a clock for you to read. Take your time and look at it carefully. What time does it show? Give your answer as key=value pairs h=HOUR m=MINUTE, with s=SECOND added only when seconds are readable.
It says h=9 m=49
